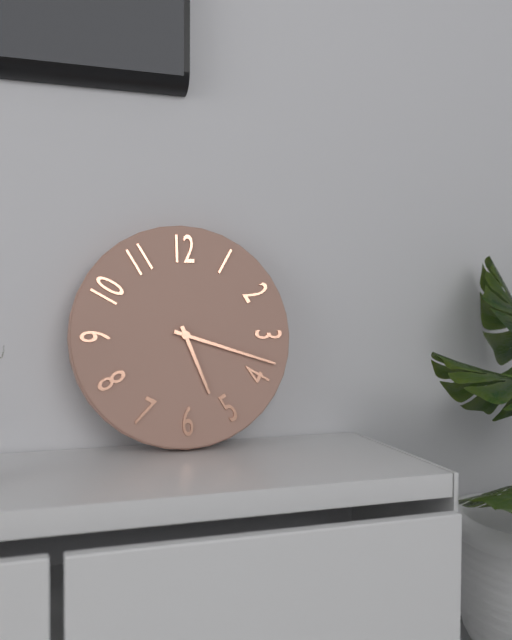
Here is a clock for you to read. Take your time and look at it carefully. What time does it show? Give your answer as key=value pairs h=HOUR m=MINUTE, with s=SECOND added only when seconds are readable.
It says h=5 m=18
